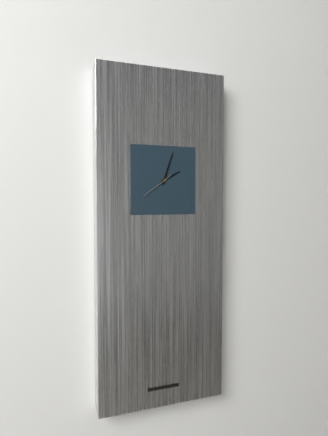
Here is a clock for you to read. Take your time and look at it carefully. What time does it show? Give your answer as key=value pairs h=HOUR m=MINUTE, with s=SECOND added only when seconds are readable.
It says h=2 m=3
